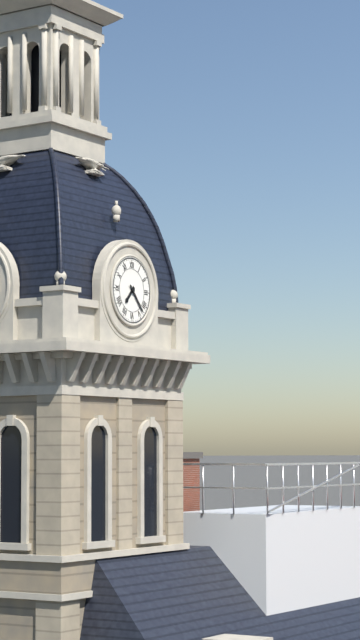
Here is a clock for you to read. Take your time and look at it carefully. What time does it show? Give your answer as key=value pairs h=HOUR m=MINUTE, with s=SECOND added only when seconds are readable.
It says h=7 m=23
